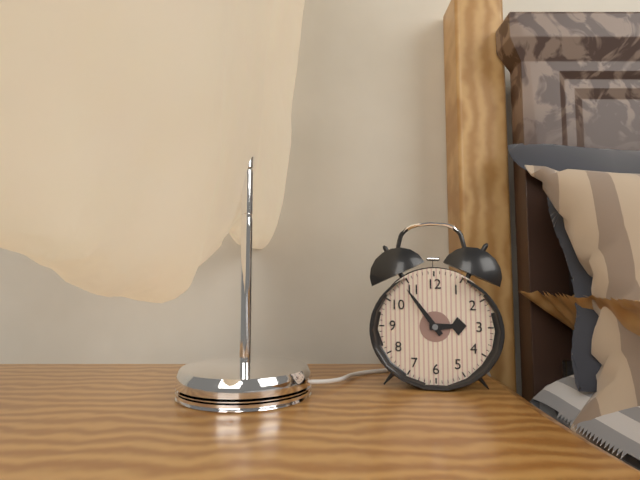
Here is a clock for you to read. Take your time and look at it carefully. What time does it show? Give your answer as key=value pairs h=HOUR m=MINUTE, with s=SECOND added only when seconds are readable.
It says h=2 m=54
